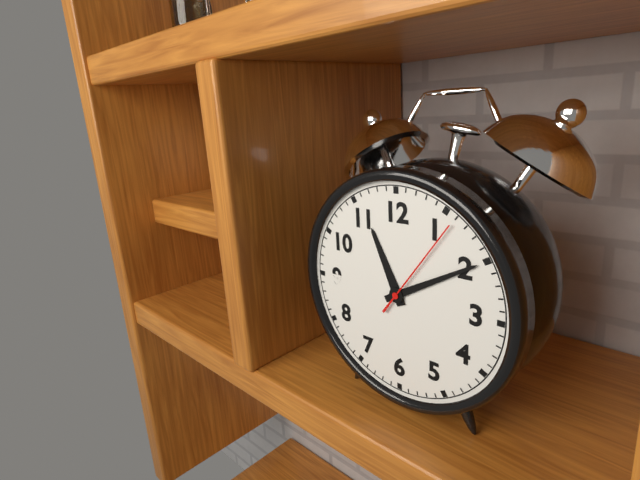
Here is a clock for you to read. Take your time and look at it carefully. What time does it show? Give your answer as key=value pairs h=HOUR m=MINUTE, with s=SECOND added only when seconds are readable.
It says h=11 m=10 s=6
